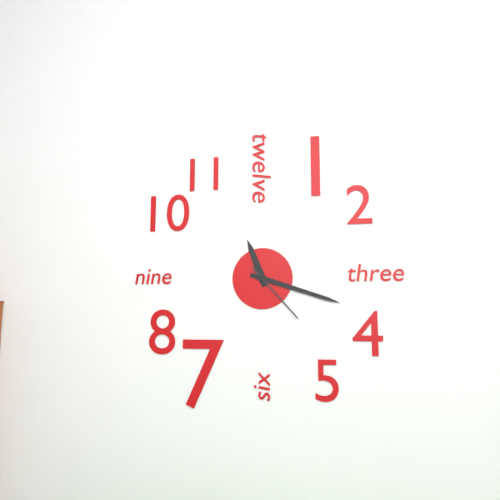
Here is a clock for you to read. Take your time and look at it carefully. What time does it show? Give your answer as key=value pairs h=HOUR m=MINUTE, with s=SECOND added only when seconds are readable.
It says h=11 m=18 s=23
